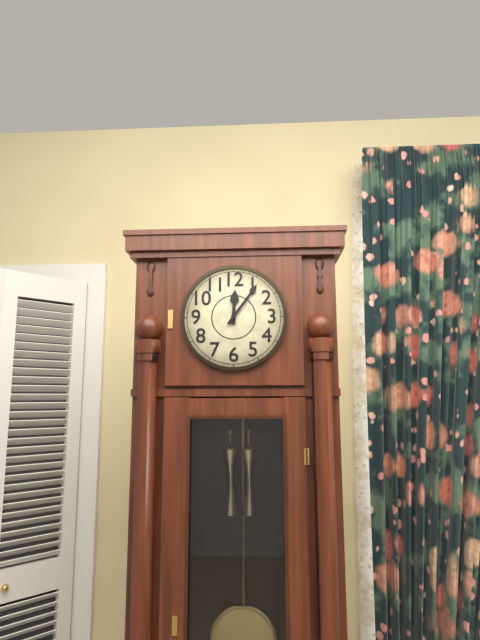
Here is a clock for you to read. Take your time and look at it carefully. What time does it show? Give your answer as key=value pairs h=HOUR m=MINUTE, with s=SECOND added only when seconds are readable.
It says h=12 m=6
